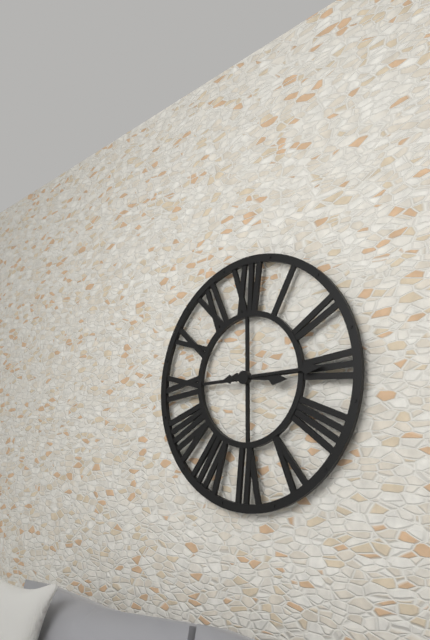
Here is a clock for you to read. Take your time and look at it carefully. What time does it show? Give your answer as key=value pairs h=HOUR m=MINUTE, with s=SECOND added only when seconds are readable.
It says h=3 m=15
